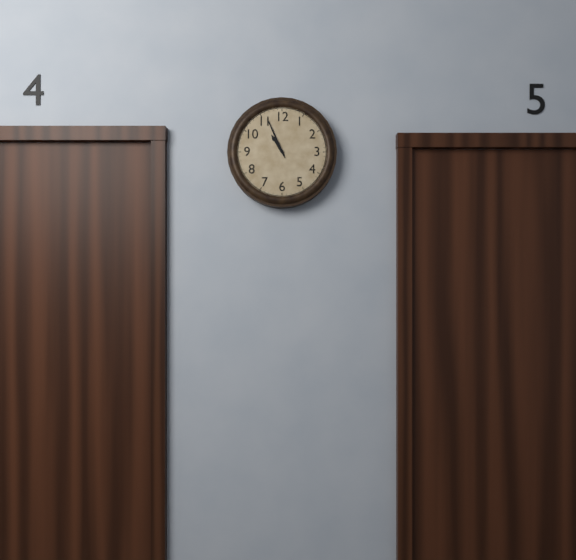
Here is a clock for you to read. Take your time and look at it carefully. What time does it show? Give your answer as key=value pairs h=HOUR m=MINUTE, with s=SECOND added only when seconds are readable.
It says h=10 m=56
